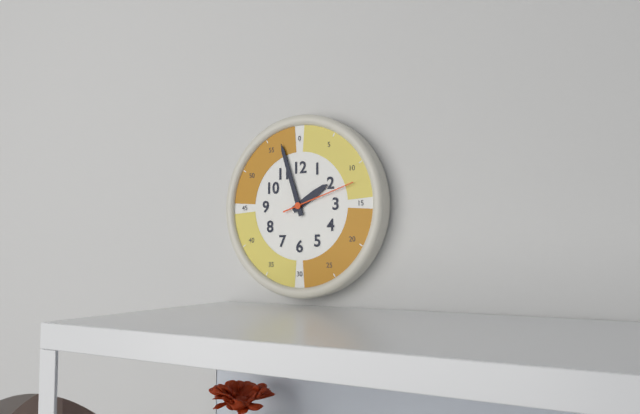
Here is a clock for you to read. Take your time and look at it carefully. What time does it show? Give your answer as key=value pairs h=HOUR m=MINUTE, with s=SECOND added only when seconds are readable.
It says h=1 m=57 s=12
